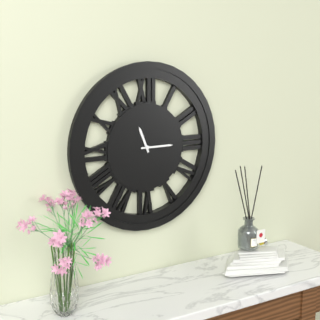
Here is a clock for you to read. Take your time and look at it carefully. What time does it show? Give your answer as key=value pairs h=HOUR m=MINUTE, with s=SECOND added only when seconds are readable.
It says h=11 m=15
